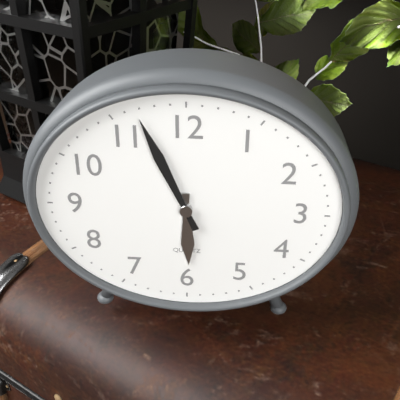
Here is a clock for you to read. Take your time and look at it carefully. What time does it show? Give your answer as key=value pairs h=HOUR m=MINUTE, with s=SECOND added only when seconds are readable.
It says h=5 m=56
